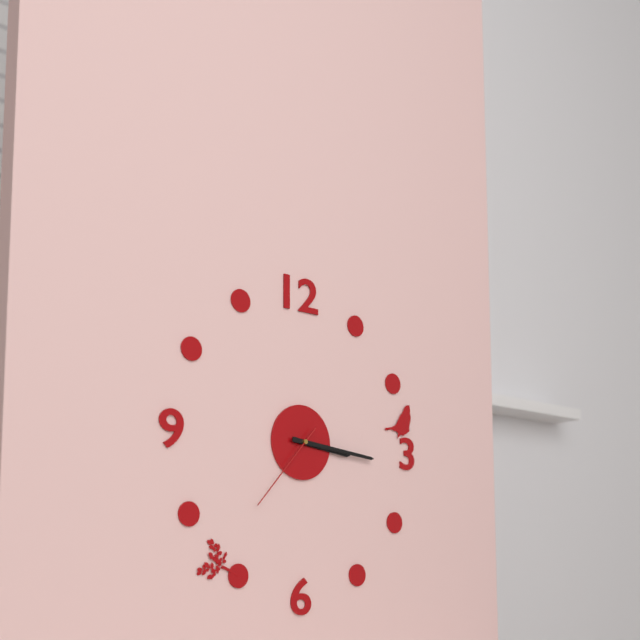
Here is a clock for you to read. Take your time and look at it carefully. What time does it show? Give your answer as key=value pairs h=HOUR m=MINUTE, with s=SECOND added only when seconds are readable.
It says h=3 m=16 s=37
